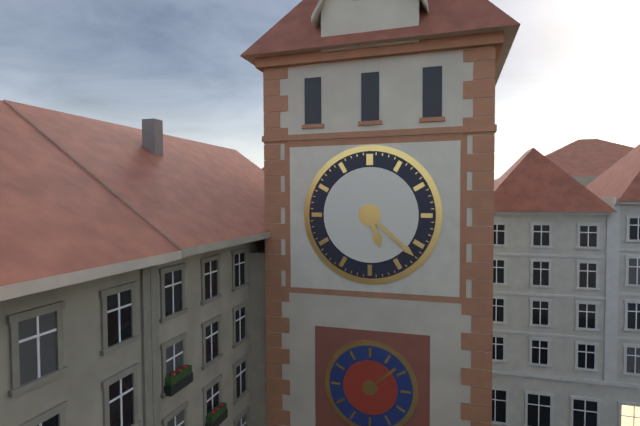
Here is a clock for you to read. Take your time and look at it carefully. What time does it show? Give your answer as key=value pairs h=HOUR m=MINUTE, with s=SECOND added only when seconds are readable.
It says h=5 m=22
